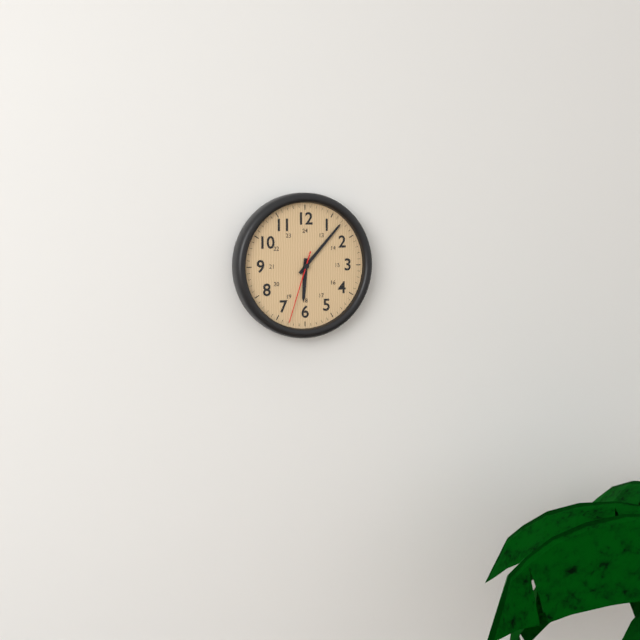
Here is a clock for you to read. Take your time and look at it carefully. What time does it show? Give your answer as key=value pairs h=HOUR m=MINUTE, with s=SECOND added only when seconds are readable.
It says h=6 m=7 s=33
